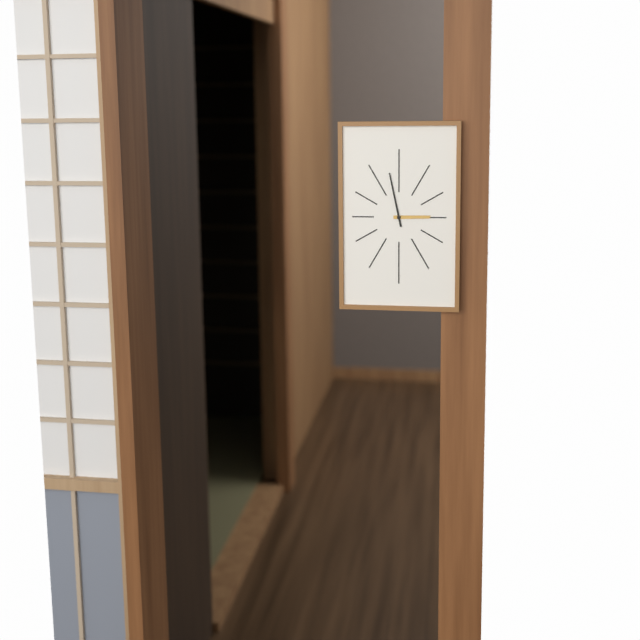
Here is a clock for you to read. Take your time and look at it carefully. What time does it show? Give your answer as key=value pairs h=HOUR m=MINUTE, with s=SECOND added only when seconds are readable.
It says h=2 m=58
